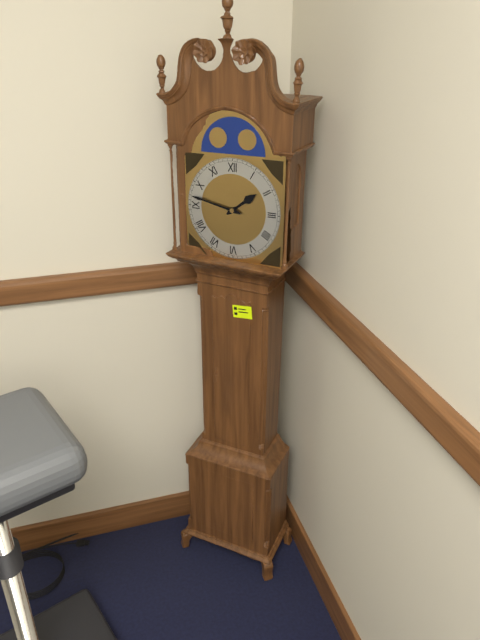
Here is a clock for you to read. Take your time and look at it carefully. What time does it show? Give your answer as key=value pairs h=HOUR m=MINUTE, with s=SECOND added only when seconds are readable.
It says h=1 m=47
